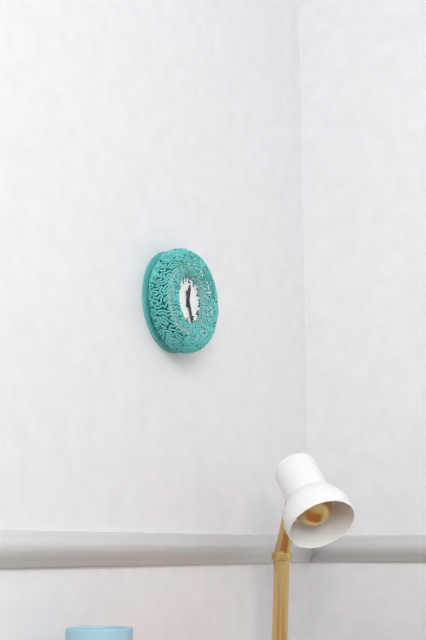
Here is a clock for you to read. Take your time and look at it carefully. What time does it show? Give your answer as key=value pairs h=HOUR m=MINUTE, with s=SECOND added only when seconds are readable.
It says h=12 m=27
